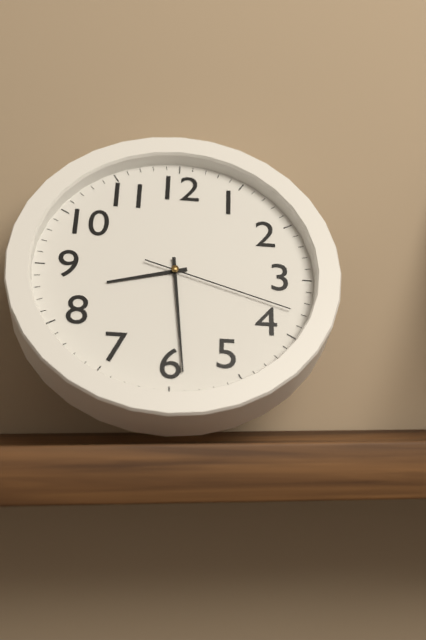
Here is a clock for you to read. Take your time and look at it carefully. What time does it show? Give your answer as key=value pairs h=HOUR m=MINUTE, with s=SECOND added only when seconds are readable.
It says h=8 m=29 s=18
